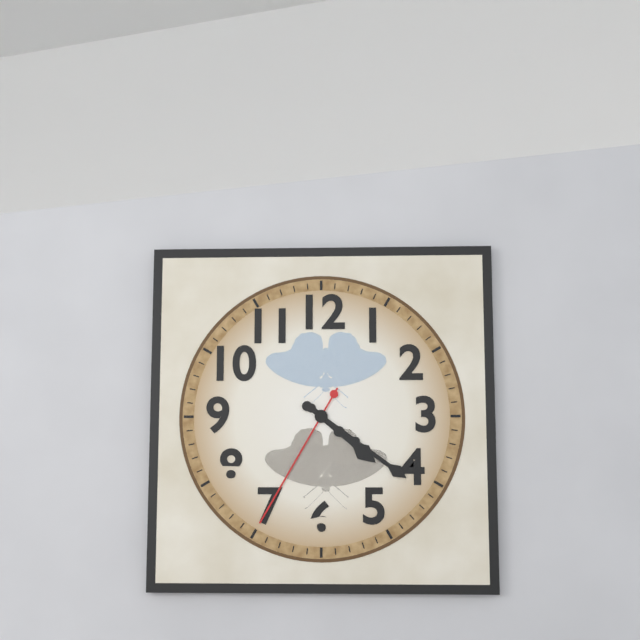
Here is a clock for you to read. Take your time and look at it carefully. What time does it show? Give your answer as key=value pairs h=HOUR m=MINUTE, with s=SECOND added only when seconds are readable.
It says h=4 m=21 s=35
